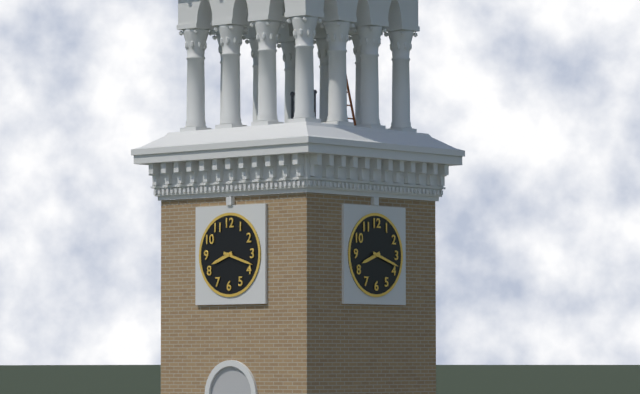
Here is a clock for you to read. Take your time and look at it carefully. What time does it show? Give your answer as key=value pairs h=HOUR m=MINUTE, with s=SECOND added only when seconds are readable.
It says h=8 m=18
